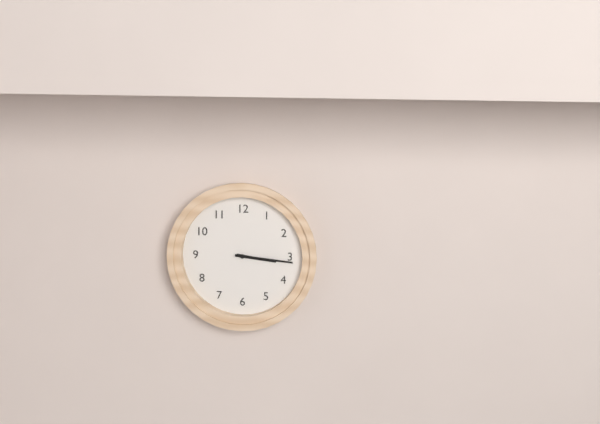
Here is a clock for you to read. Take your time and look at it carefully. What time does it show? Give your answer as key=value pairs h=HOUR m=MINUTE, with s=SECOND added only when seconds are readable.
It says h=3 m=16
